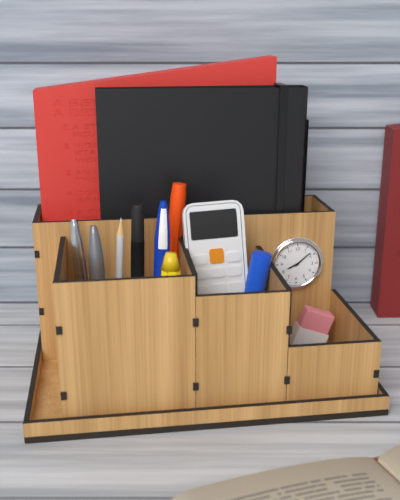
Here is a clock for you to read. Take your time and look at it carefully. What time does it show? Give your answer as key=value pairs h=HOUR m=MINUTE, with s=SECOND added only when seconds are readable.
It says h=8 m=8
